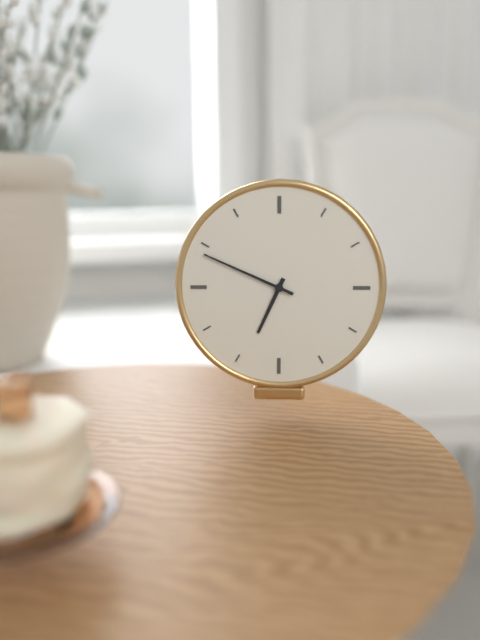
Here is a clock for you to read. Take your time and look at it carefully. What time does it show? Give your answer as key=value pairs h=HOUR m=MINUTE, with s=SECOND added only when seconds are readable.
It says h=6 m=49
